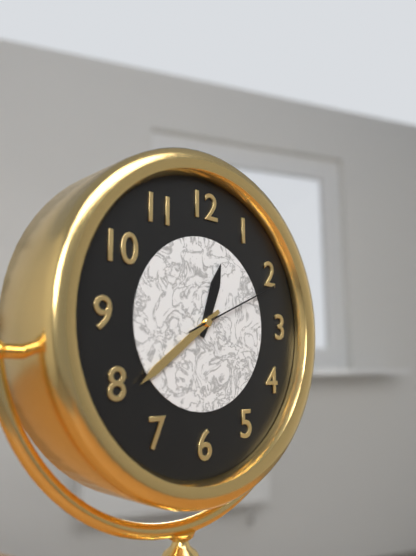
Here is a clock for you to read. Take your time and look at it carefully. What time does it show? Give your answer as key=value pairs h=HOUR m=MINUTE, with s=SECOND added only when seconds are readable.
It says h=12 m=39 s=11
